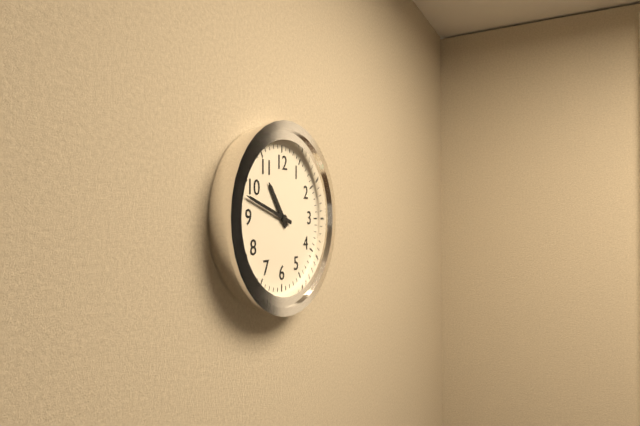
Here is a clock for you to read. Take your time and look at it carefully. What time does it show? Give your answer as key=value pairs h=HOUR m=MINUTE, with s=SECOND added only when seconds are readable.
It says h=10 m=48
